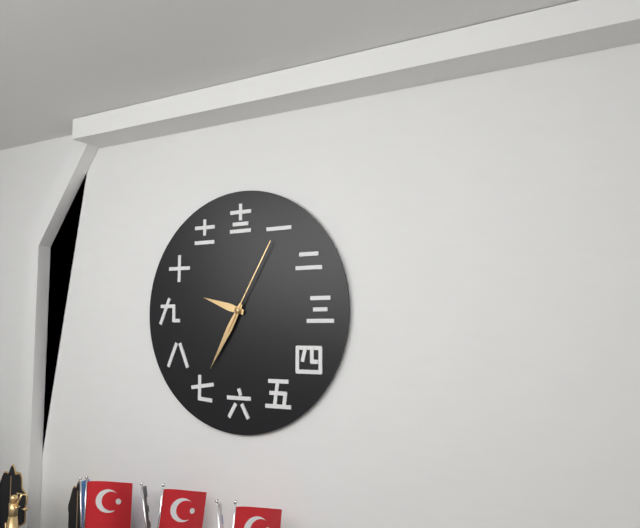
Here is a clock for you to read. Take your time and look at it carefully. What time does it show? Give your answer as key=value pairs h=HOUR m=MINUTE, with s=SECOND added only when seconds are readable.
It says h=9 m=35 s=5
